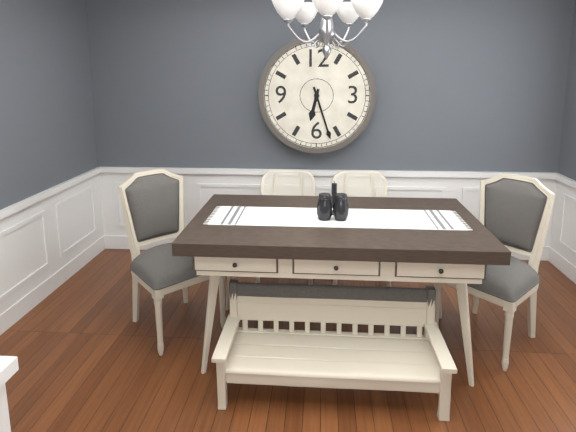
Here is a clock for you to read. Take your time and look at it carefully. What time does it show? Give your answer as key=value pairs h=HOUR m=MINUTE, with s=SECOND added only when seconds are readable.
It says h=6 m=27
